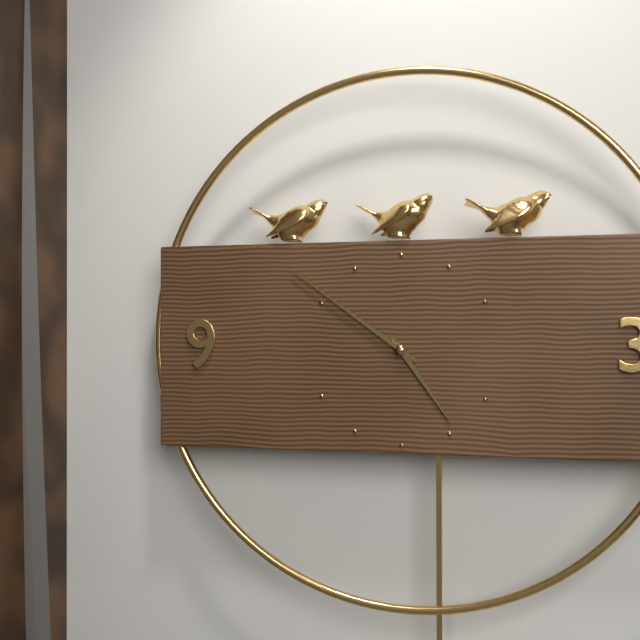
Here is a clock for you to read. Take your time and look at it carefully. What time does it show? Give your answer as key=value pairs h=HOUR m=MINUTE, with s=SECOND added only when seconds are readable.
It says h=4 m=51
